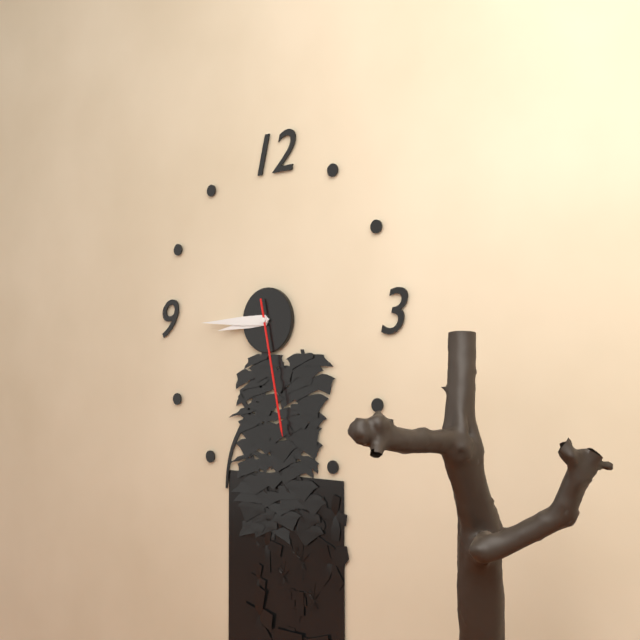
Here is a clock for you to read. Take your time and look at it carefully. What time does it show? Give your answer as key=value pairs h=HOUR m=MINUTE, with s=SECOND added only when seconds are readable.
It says h=8 m=45 s=28
